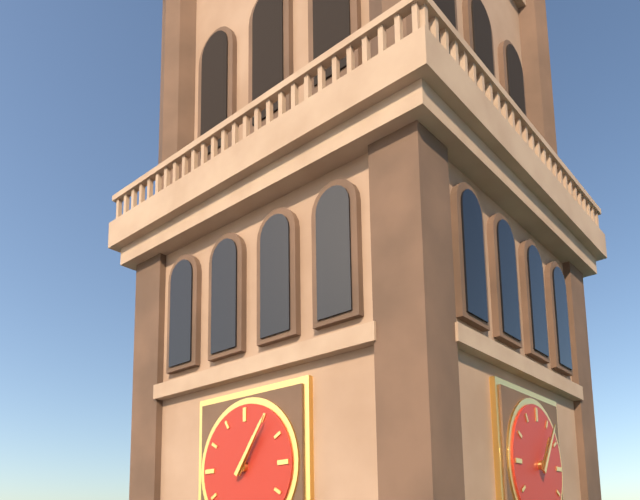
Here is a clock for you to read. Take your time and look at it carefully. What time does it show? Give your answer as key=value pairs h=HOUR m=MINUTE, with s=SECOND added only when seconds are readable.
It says h=1 m=6
